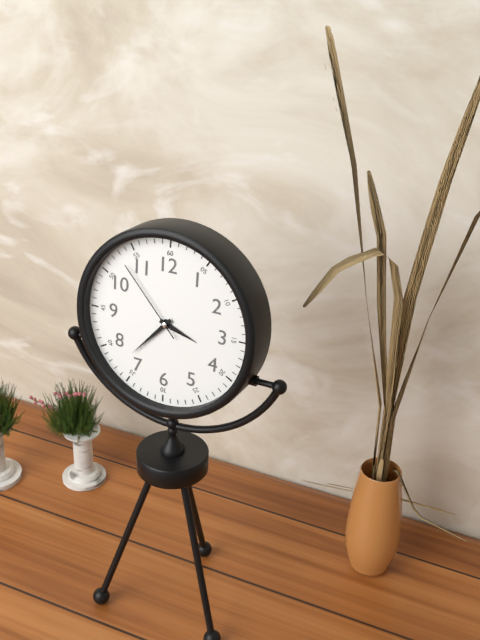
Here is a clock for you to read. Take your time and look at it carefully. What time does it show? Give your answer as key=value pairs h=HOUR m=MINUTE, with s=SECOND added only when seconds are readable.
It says h=3 m=37 s=53
